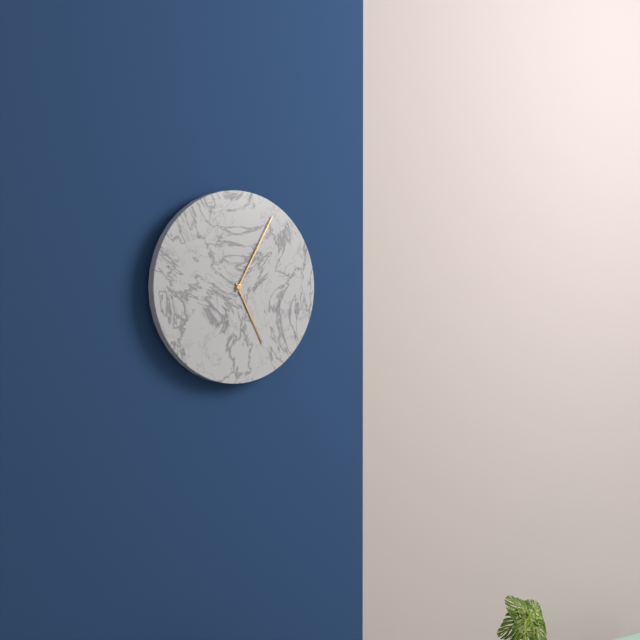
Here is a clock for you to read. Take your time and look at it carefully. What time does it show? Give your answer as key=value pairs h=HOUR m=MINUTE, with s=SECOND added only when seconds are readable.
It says h=5 m=5
